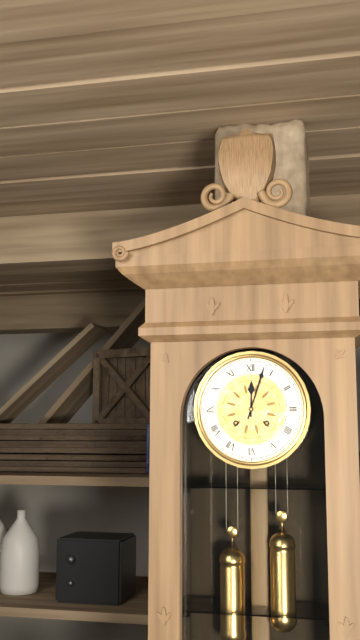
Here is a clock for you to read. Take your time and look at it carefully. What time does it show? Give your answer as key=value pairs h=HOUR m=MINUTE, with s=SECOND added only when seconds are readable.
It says h=12 m=3
